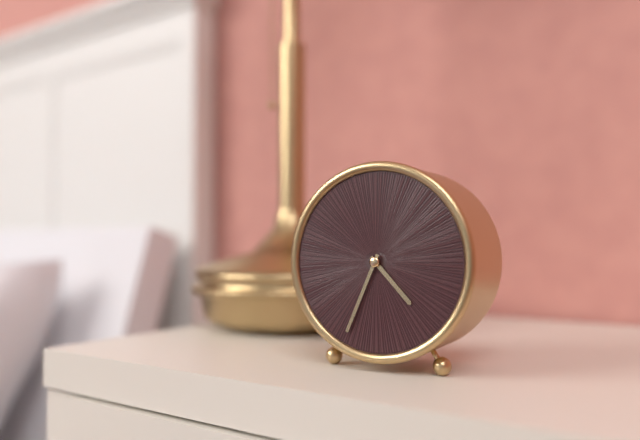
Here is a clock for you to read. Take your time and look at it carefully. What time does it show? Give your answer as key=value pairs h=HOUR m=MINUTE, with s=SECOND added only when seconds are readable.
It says h=4 m=34
